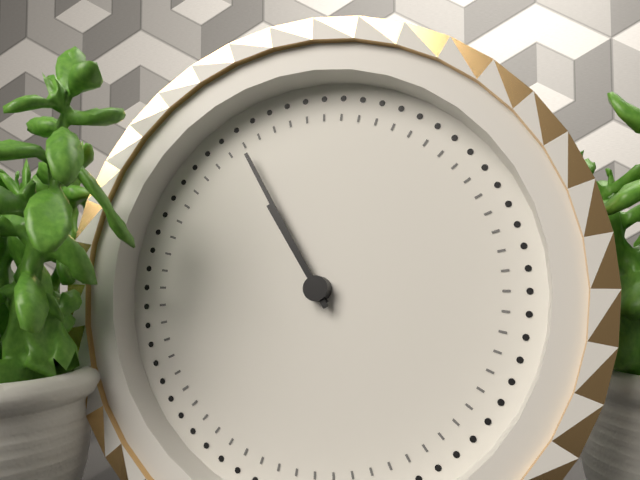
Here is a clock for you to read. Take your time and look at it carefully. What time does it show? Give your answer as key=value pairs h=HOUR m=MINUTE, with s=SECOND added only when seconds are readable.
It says h=10 m=55
